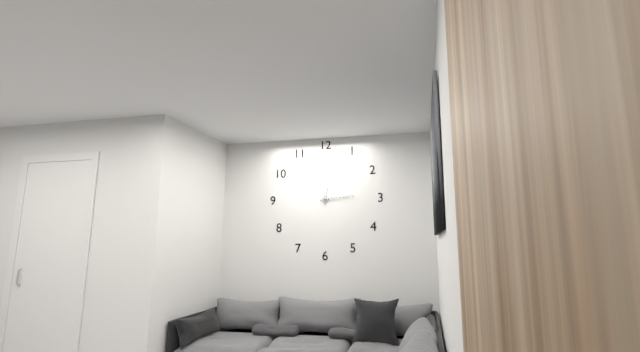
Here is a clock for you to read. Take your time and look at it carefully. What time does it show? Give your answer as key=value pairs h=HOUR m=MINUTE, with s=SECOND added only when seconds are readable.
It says h=12 m=14
